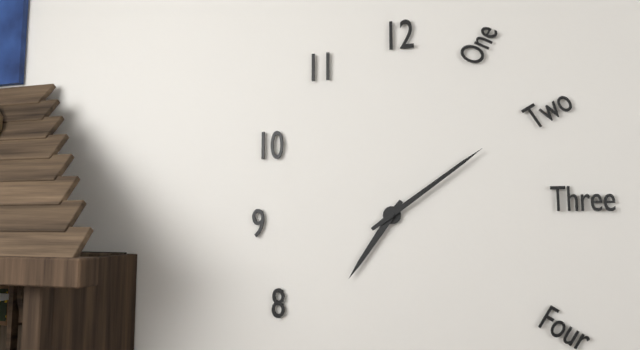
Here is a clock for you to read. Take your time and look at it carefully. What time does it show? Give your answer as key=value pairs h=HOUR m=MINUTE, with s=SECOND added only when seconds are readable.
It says h=7 m=9
